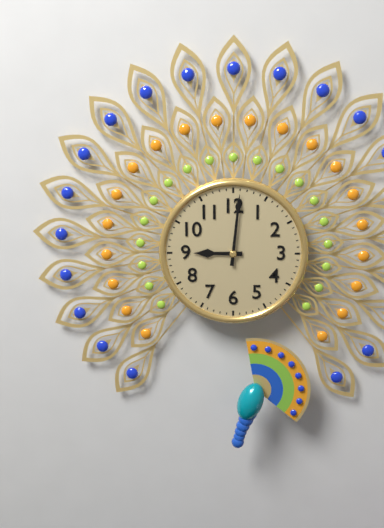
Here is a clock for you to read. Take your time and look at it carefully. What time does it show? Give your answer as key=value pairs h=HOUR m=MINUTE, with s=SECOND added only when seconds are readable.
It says h=9 m=1
